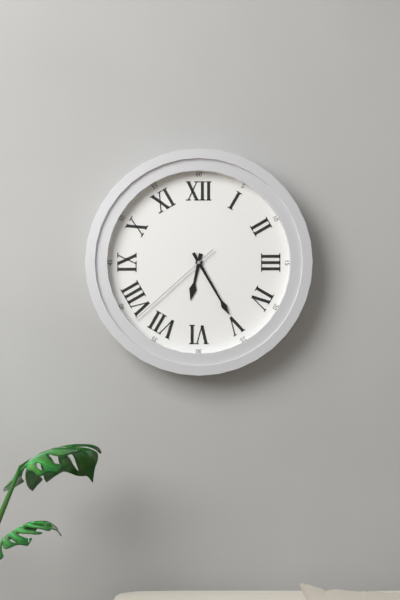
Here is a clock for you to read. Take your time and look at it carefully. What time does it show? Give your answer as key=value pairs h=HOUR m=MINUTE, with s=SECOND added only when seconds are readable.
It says h=6 m=25 s=38
